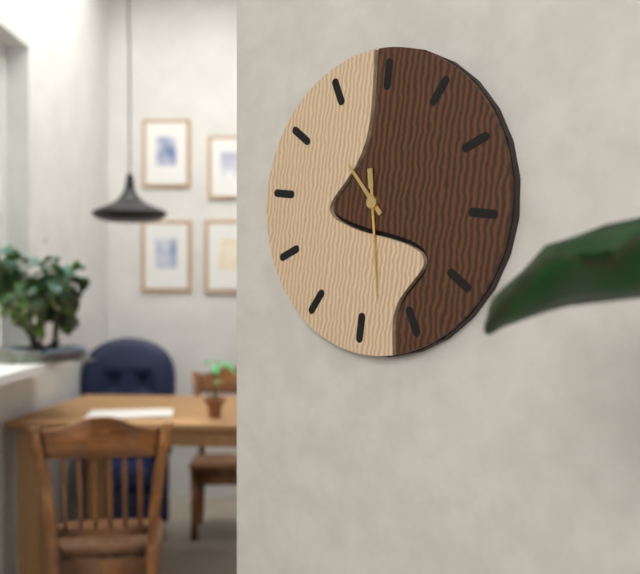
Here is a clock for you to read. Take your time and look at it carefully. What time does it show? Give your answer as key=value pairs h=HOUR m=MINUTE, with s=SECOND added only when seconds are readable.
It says h=10 m=28 s=28
